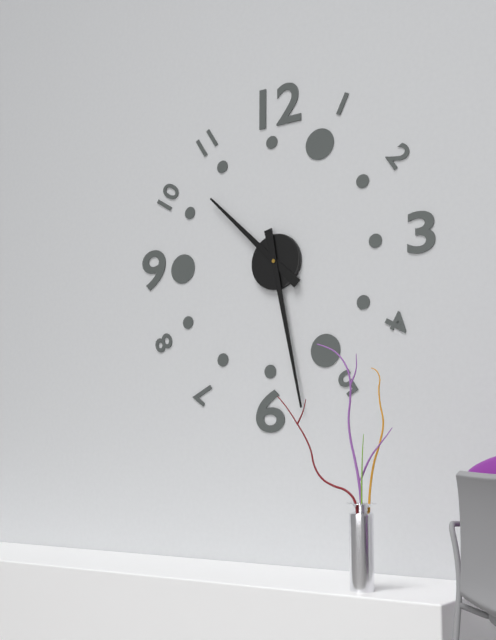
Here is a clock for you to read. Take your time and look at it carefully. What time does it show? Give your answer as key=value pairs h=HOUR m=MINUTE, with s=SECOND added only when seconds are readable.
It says h=10 m=28
